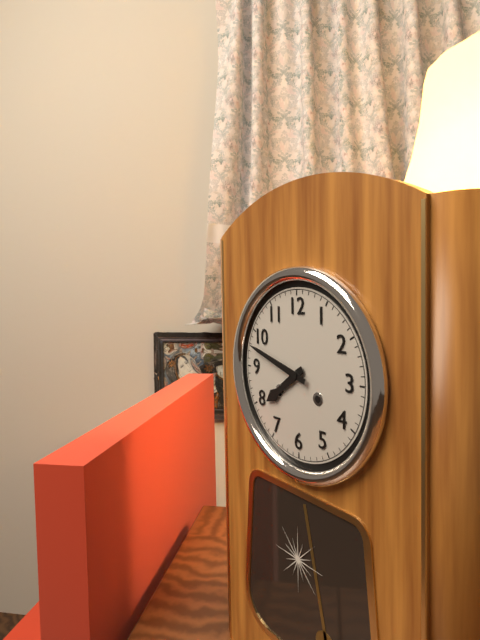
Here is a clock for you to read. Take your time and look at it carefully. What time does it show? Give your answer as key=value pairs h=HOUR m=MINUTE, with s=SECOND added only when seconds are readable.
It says h=7 m=48
